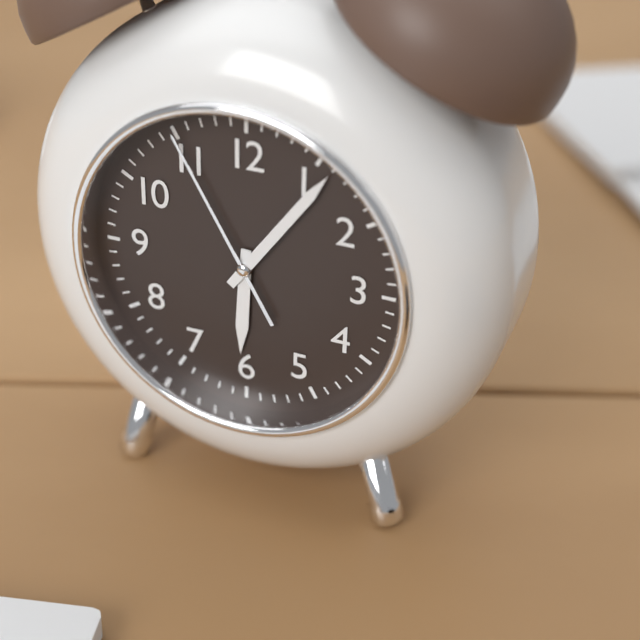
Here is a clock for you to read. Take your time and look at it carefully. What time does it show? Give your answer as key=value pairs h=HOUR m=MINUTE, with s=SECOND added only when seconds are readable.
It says h=6 m=6 s=55
